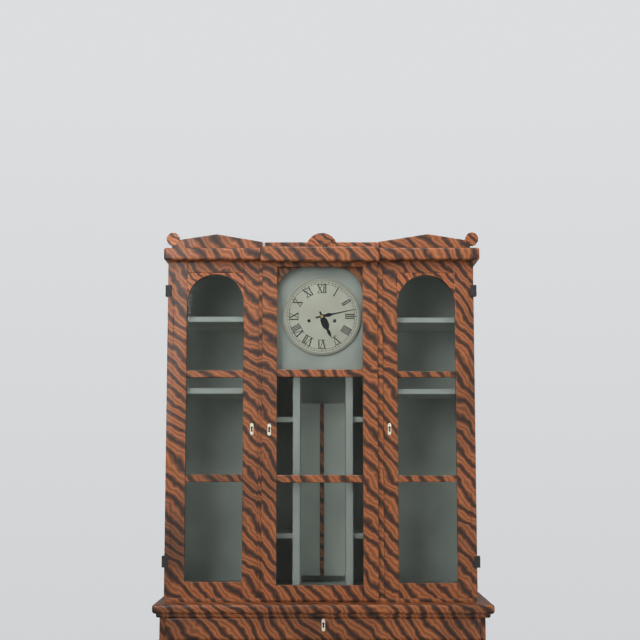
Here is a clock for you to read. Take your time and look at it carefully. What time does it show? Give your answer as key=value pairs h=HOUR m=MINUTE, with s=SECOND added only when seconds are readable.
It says h=5 m=13
